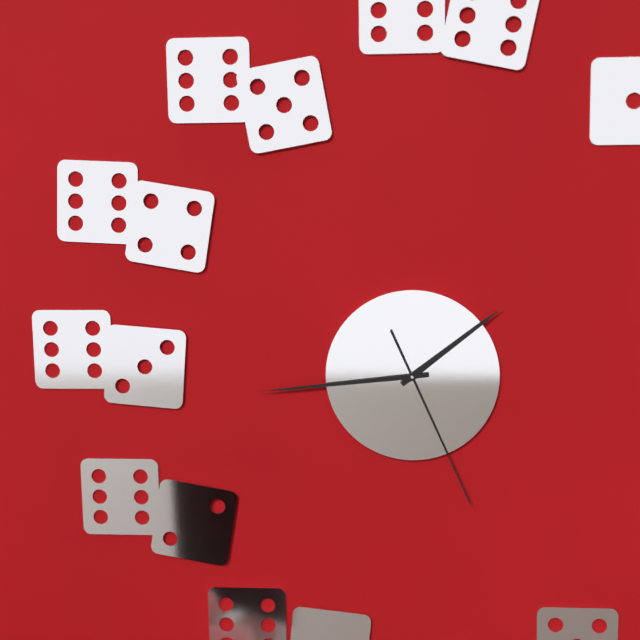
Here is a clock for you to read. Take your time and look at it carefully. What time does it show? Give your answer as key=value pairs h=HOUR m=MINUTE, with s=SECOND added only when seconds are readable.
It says h=1 m=44 s=26
